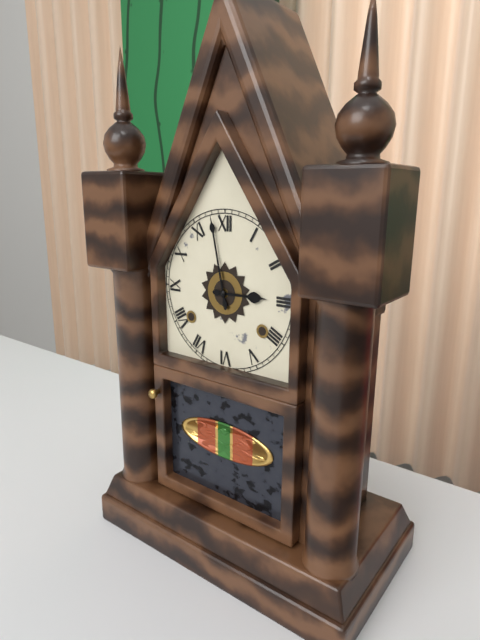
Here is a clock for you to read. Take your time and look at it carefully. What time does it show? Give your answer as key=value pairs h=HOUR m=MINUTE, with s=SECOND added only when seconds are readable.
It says h=2 m=58
